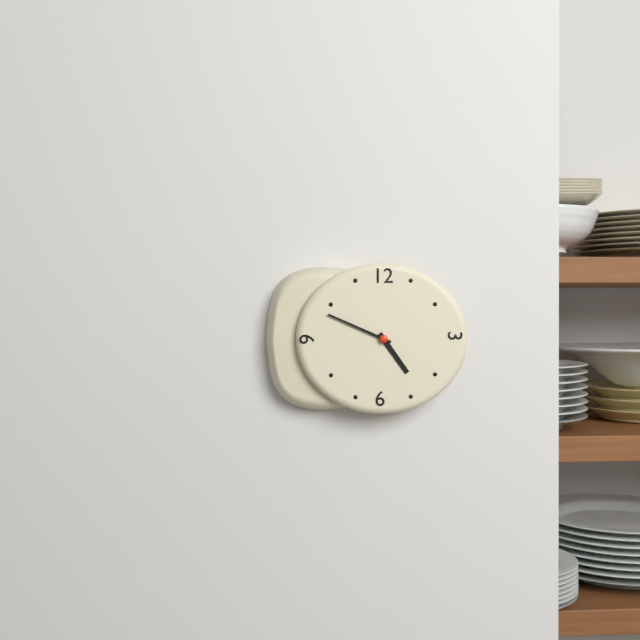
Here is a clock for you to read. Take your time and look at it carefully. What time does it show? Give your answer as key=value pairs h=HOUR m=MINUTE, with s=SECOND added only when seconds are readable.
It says h=4 m=49
